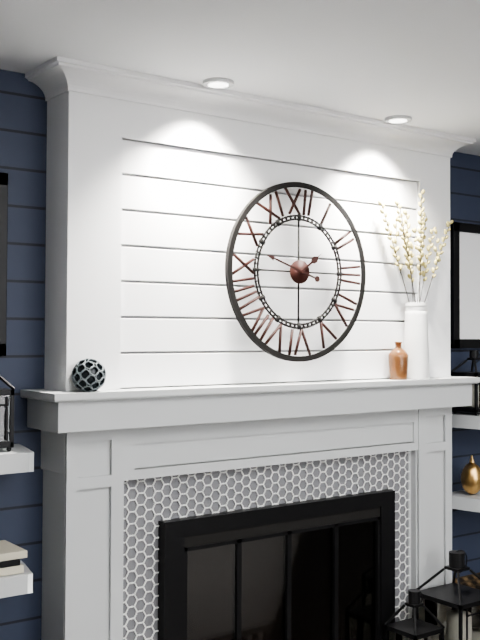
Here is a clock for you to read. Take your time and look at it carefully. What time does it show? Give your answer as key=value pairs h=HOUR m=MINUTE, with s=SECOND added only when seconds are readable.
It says h=1 m=48
